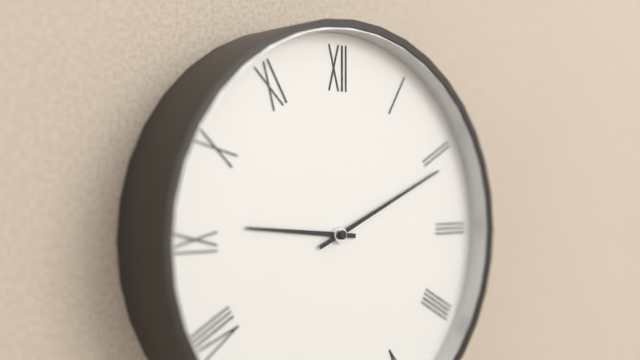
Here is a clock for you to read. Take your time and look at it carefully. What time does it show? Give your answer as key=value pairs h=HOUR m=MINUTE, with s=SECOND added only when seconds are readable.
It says h=9 m=11
